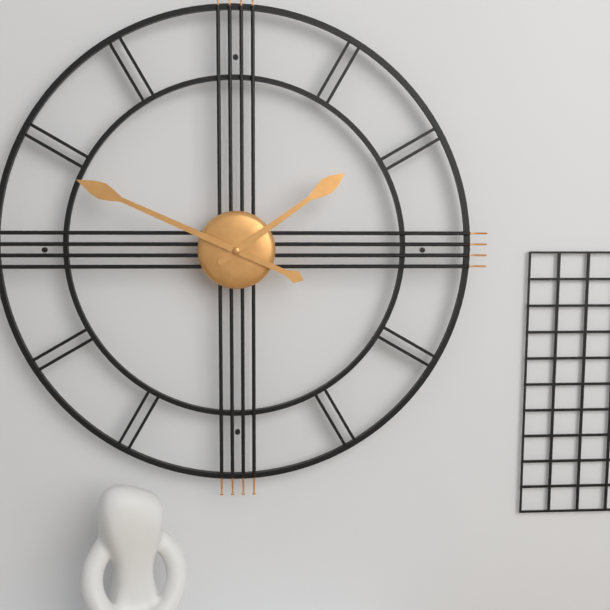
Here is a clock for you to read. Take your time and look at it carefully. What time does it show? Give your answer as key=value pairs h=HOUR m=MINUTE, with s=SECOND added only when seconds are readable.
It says h=1 m=49
